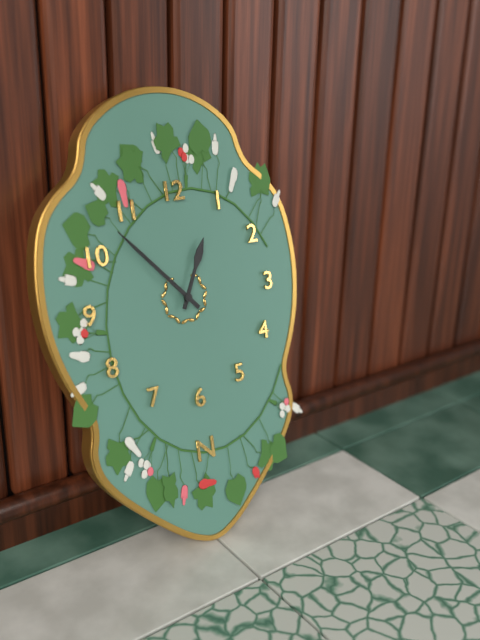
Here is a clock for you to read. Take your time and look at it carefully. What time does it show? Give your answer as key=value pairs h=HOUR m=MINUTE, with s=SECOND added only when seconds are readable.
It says h=12 m=53
